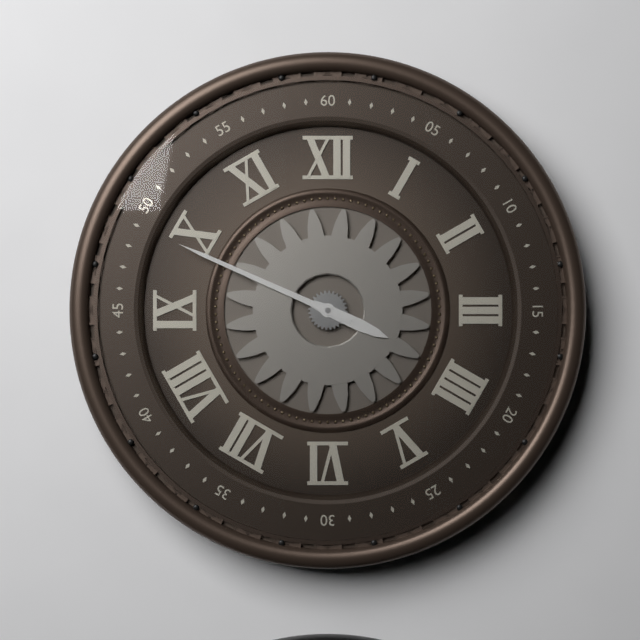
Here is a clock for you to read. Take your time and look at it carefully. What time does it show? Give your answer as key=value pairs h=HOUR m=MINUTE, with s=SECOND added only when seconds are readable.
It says h=3 m=49
